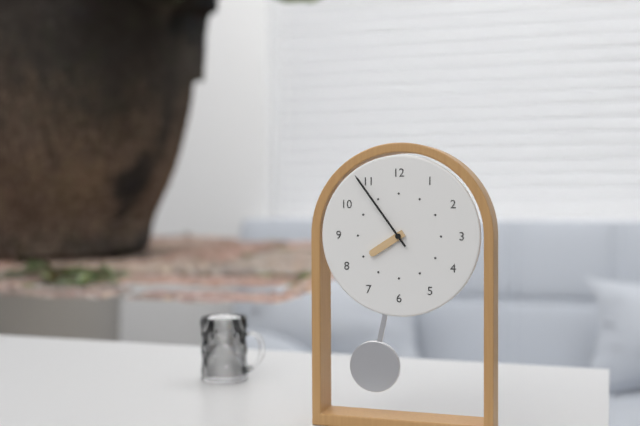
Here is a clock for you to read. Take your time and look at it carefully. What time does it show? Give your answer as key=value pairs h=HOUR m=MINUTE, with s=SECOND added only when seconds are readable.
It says h=7 m=54
